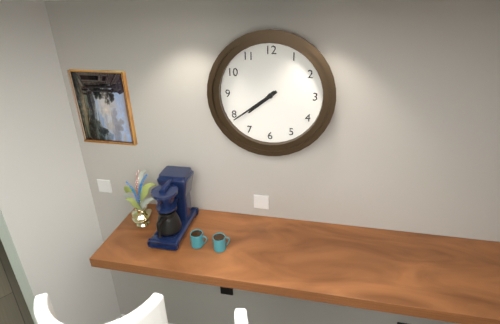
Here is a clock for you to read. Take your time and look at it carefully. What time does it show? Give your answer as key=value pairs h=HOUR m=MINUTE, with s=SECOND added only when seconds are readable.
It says h=7 m=39
